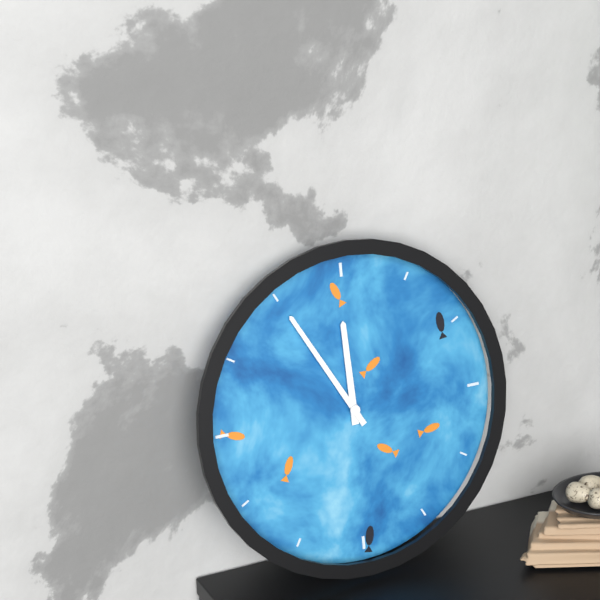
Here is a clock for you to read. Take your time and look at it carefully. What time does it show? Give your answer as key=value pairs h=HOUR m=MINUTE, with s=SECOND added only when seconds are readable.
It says h=11 m=55
